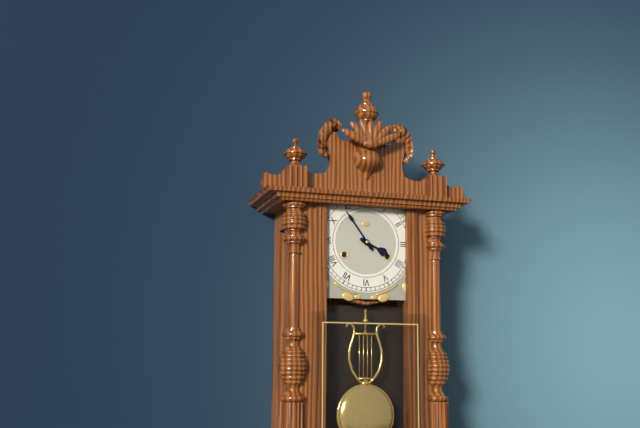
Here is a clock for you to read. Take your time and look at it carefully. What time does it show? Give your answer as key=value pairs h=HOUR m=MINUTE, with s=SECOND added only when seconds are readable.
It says h=3 m=54
